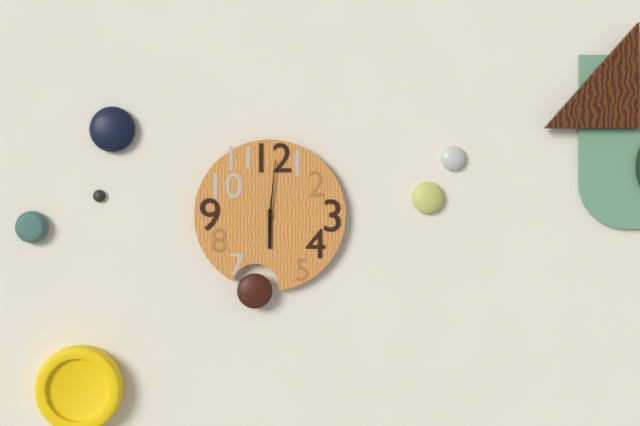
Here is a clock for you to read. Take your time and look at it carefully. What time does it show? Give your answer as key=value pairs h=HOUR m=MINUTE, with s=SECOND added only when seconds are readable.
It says h=6 m=1
